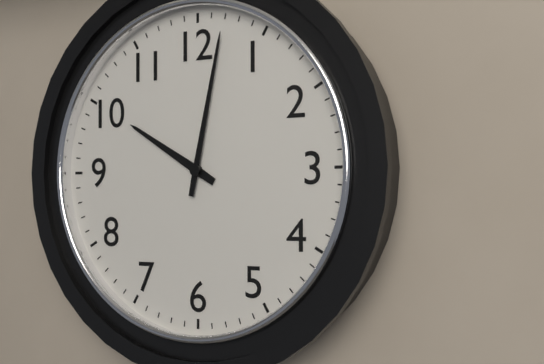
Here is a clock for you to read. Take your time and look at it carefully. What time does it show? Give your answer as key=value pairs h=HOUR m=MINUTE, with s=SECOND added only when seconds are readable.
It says h=10 m=2
